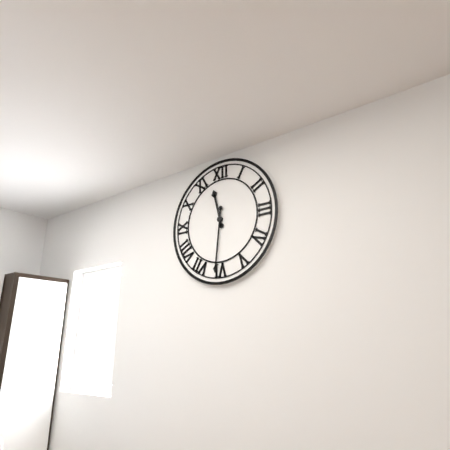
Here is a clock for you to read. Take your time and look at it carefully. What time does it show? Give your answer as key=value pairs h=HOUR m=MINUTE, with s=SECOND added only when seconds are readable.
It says h=11 m=31
